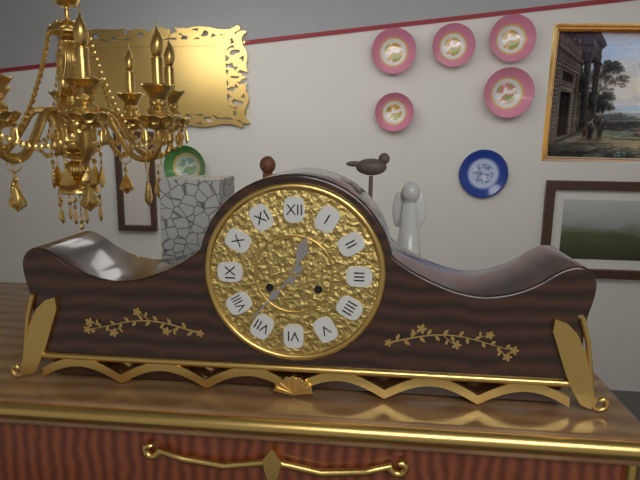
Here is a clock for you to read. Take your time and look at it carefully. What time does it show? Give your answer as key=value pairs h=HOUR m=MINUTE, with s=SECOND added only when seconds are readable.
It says h=12 m=37
